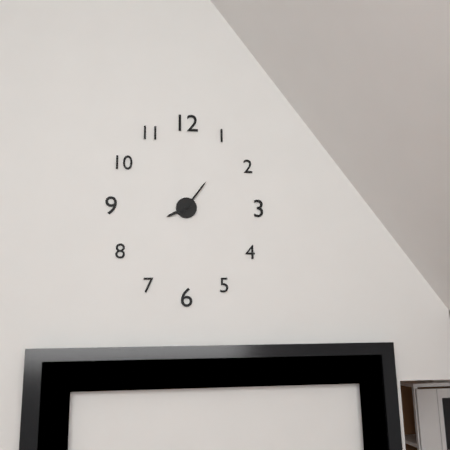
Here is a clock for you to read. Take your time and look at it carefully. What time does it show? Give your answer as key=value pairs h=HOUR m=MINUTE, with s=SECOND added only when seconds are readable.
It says h=8 m=6
